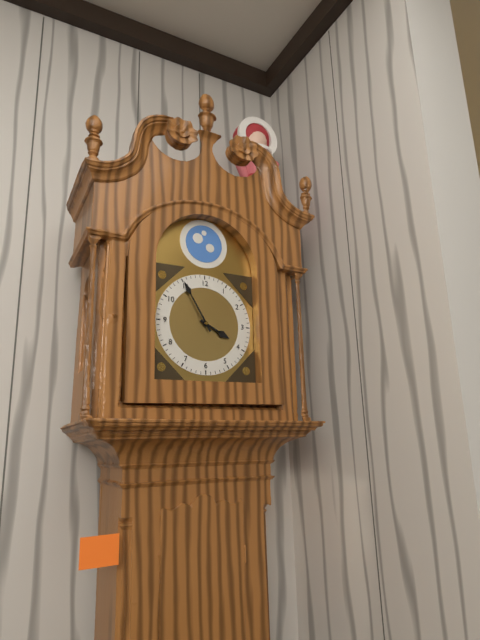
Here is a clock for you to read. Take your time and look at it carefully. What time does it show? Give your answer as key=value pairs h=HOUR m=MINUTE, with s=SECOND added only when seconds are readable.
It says h=3 m=55
